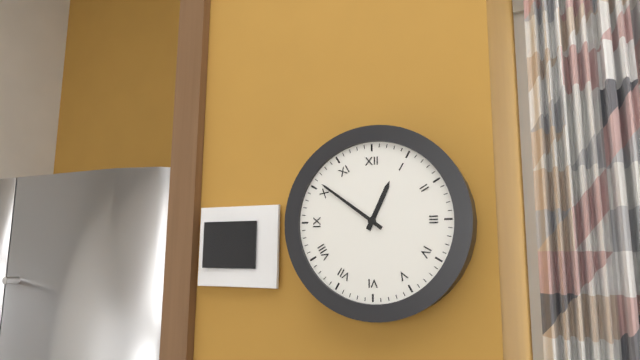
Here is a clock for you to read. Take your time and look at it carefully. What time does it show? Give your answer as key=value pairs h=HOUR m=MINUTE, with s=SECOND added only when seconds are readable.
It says h=12 m=51
